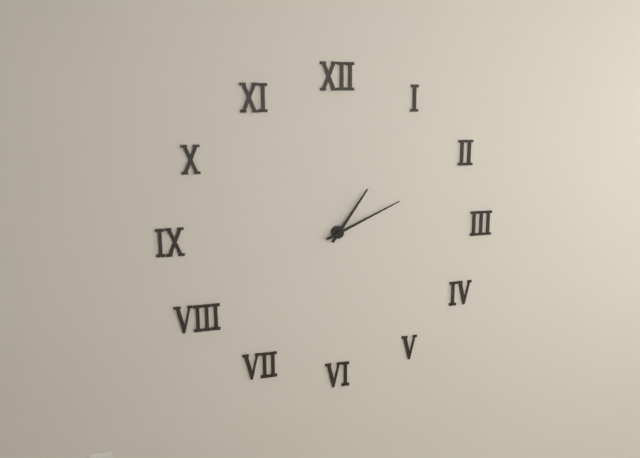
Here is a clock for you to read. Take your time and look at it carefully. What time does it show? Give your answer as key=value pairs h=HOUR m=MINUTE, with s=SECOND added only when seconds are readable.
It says h=1 m=11
